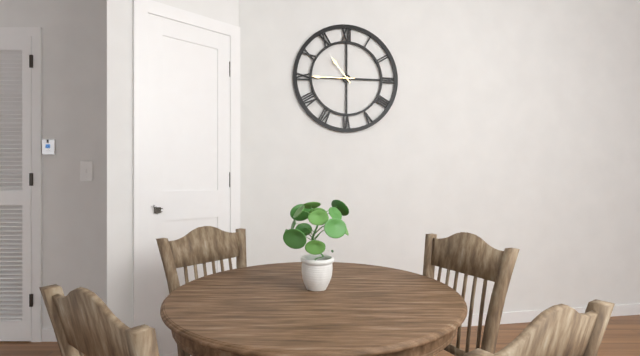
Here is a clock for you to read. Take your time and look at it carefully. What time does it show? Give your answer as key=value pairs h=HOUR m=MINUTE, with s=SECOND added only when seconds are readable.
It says h=10 m=45
